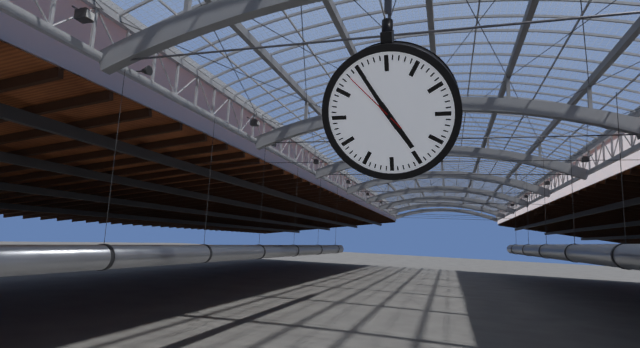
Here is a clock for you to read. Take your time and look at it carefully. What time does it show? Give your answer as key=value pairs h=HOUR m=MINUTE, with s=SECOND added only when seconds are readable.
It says h=4 m=55 s=53
